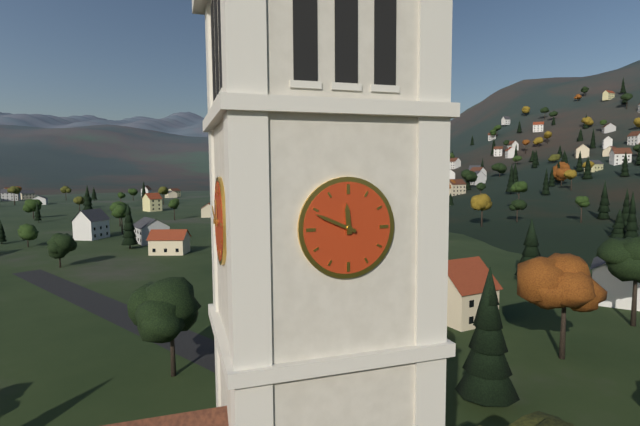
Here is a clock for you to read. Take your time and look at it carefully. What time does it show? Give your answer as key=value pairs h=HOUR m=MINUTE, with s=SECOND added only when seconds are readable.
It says h=11 m=49
